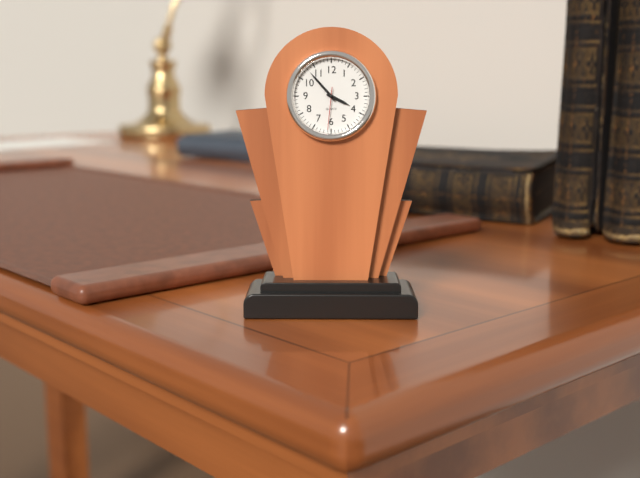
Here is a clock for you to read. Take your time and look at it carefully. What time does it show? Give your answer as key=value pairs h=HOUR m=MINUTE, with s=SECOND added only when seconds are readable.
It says h=3 m=53
